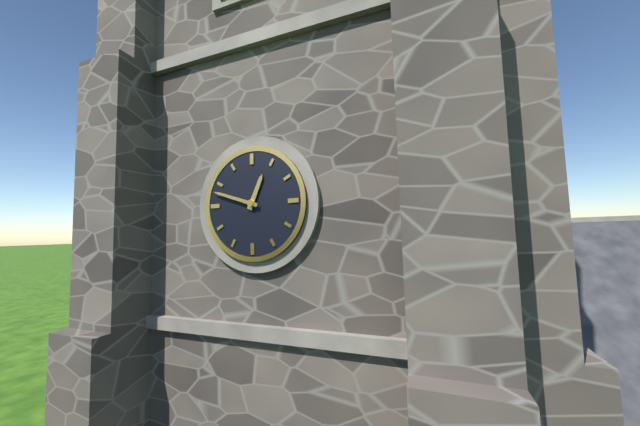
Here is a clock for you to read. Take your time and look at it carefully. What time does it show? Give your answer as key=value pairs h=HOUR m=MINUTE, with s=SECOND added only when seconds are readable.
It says h=12 m=48
